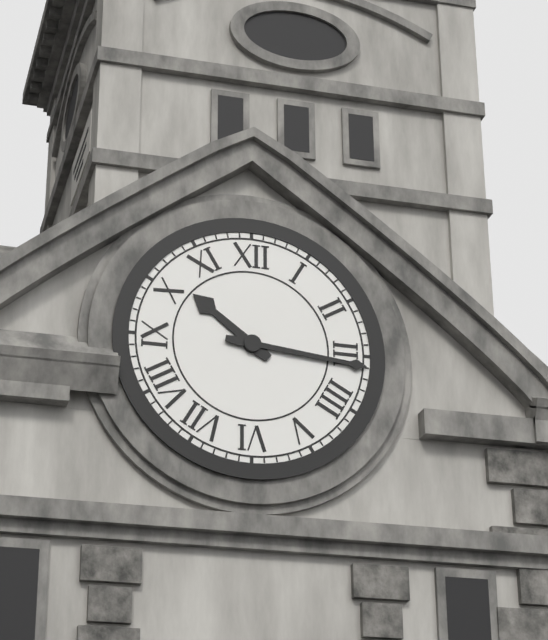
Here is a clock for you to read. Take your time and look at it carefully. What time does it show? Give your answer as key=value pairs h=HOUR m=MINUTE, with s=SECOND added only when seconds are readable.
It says h=10 m=16
